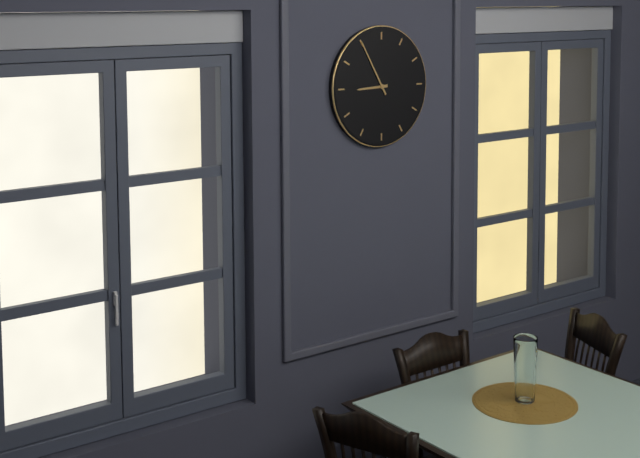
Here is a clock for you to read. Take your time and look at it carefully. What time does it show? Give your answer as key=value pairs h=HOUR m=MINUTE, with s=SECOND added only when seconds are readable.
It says h=8 m=55
